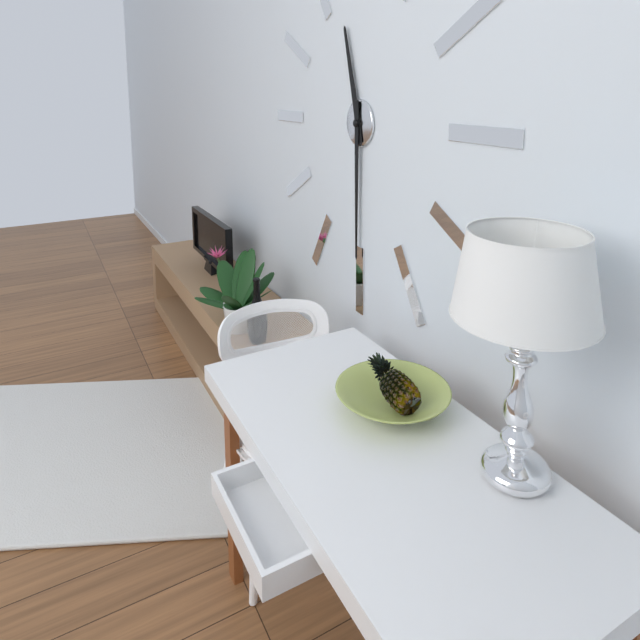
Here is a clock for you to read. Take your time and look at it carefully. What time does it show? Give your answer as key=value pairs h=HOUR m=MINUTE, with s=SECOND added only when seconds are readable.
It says h=11 m=30
